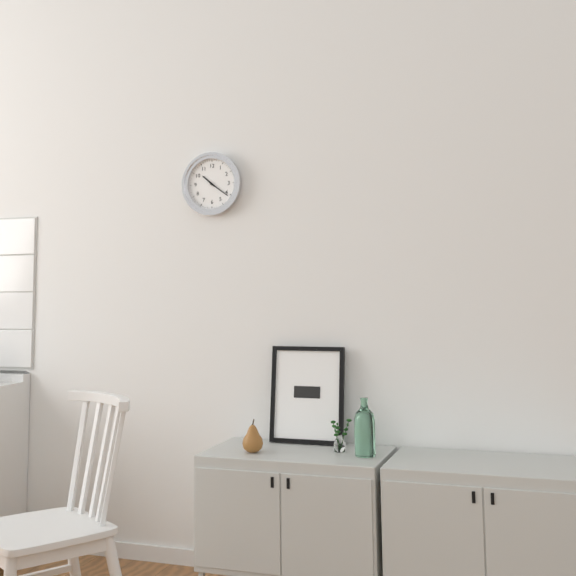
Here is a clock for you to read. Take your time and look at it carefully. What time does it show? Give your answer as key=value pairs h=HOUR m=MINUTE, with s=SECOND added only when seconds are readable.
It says h=10 m=21
